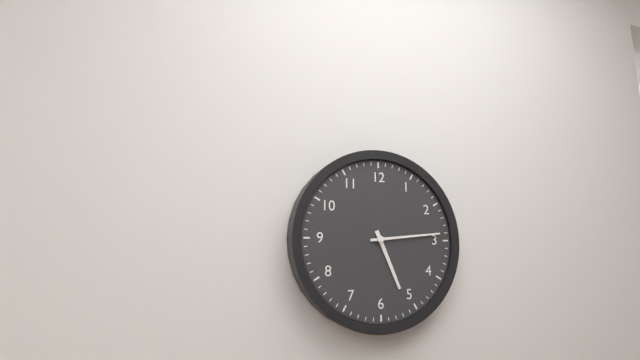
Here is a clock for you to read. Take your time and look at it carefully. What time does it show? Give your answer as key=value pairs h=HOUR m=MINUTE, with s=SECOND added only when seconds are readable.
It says h=5 m=14
